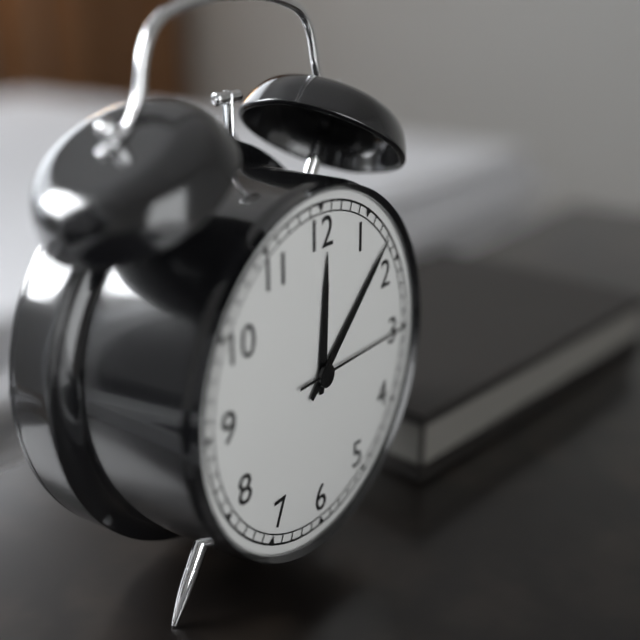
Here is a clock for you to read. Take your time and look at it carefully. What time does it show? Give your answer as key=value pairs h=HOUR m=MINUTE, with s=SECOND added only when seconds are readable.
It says h=12 m=8 s=15
